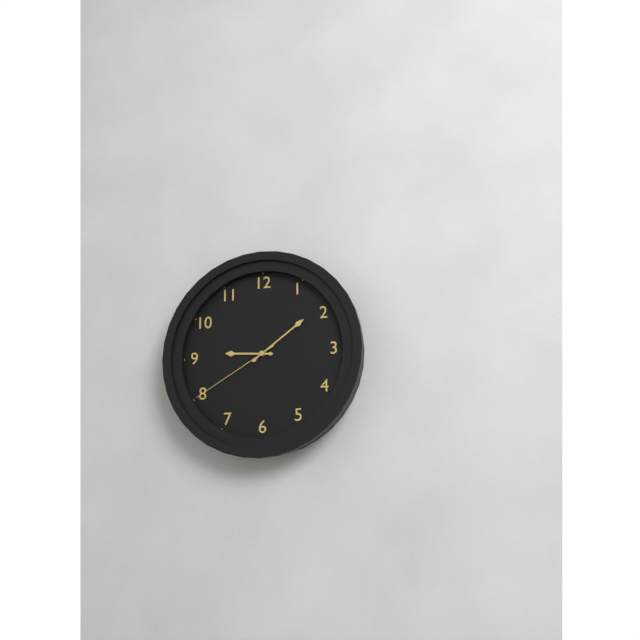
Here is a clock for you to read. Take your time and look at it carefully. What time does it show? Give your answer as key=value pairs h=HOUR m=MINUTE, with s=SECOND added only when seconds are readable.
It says h=9 m=9 s=40
